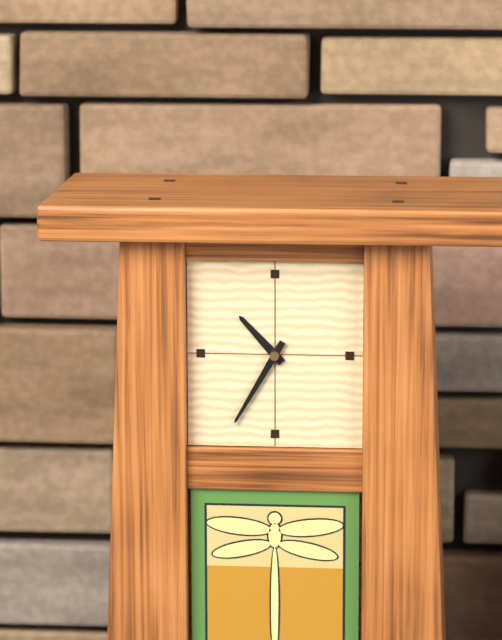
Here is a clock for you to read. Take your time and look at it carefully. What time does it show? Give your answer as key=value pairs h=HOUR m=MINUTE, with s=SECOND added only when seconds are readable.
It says h=10 m=35
